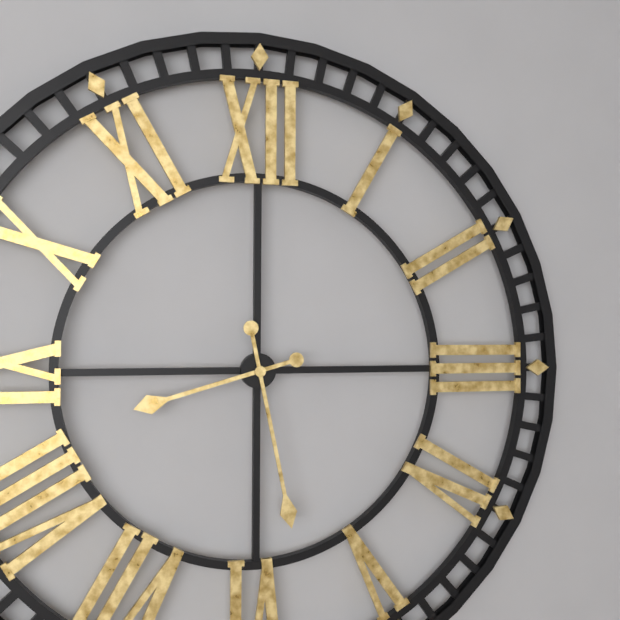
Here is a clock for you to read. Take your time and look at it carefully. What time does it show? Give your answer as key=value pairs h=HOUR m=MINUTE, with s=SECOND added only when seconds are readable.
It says h=8 m=28
